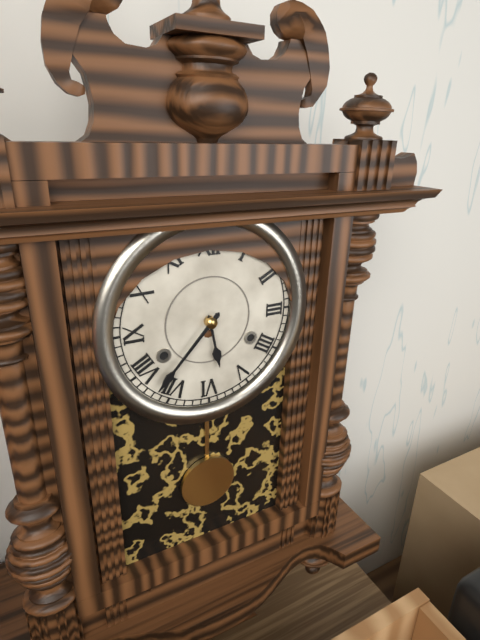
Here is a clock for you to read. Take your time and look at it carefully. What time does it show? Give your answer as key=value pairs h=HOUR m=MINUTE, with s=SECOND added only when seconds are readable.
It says h=5 m=37
